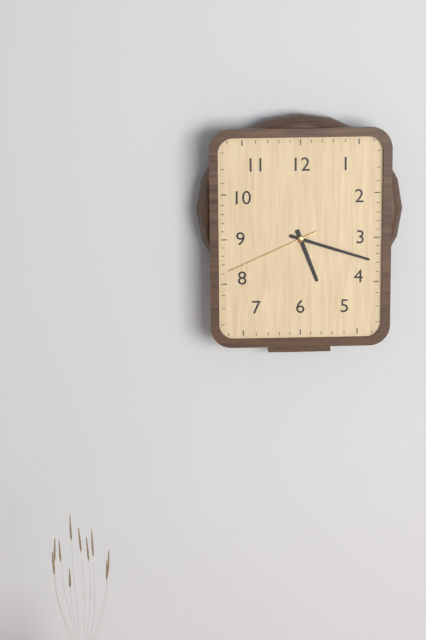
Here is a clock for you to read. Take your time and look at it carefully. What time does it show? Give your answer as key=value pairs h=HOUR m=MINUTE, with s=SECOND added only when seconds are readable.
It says h=5 m=18 s=41
